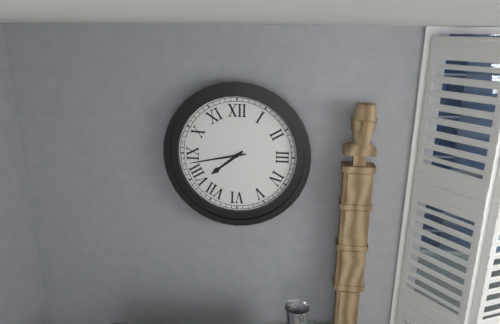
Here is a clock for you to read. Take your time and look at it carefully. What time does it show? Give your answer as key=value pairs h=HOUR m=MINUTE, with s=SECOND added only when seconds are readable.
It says h=7 m=43
